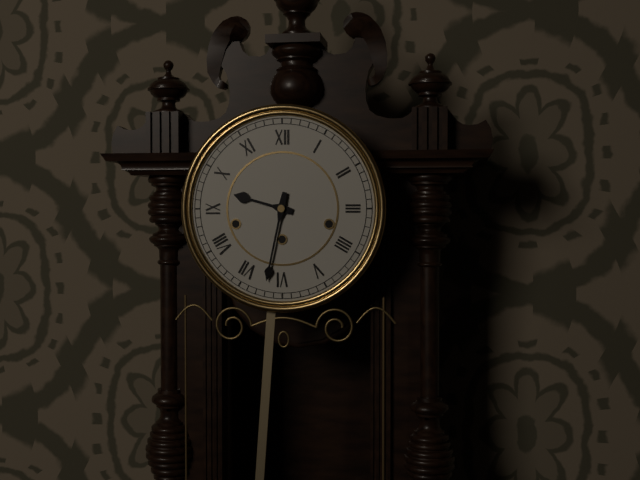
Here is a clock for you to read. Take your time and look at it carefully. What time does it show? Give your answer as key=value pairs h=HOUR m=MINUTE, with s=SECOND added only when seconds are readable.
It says h=9 m=32
